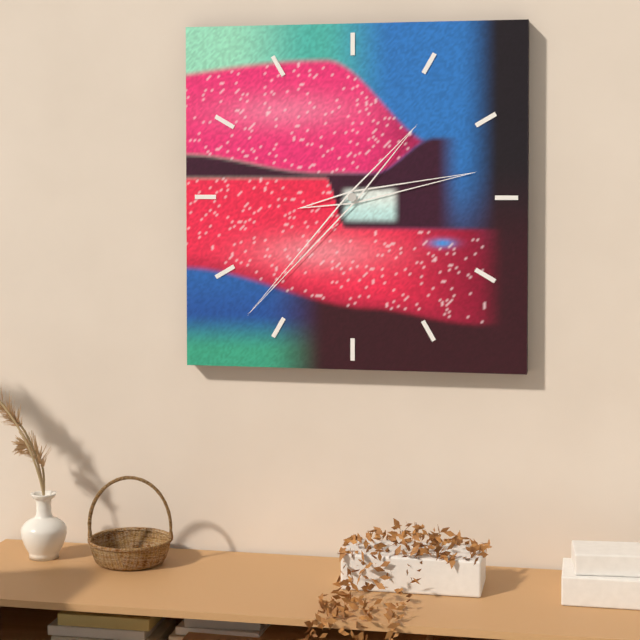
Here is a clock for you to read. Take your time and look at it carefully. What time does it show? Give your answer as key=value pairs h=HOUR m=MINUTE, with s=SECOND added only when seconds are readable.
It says h=2 m=37
